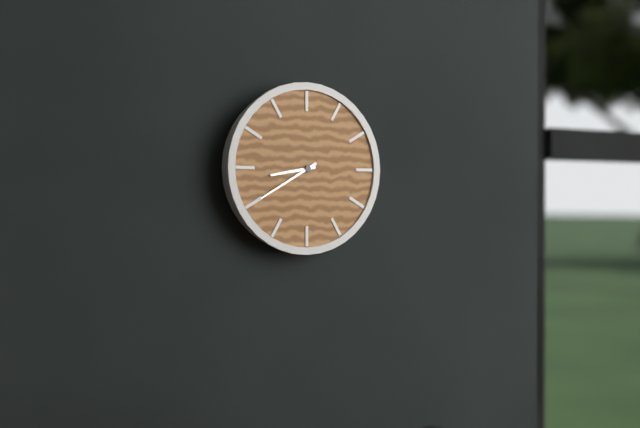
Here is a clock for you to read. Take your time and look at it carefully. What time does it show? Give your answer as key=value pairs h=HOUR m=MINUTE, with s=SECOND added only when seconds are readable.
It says h=8 m=40
